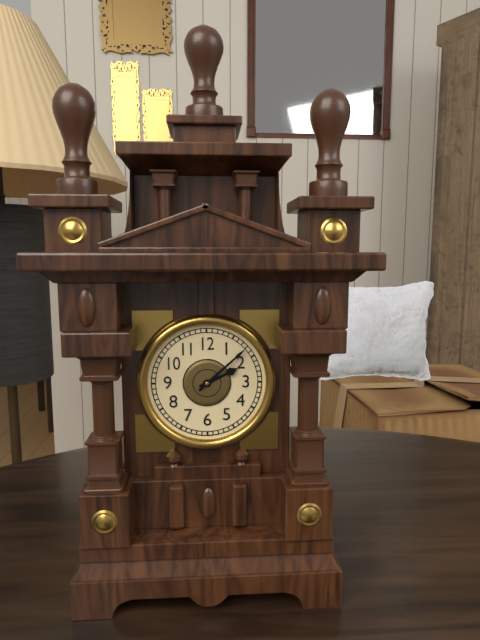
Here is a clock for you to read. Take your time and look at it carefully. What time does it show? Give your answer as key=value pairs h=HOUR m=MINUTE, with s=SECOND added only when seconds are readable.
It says h=2 m=8
